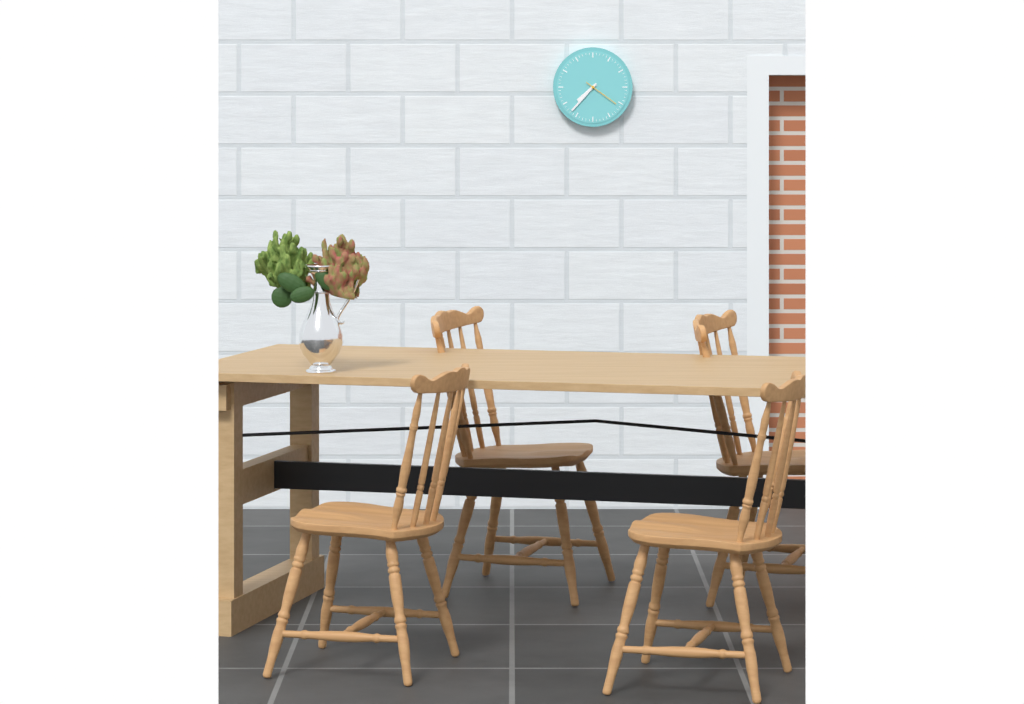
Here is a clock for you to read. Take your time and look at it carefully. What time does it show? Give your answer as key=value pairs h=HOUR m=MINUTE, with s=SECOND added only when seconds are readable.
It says h=7 m=37
